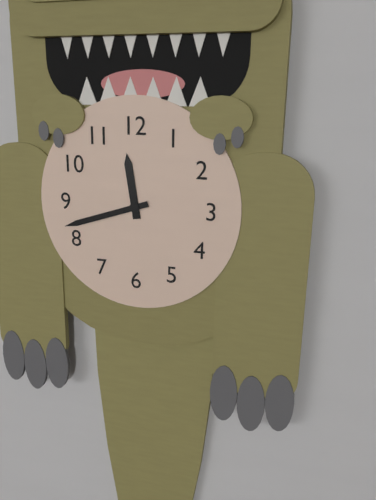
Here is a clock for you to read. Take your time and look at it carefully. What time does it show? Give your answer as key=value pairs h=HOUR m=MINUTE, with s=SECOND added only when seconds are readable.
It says h=11 m=42
